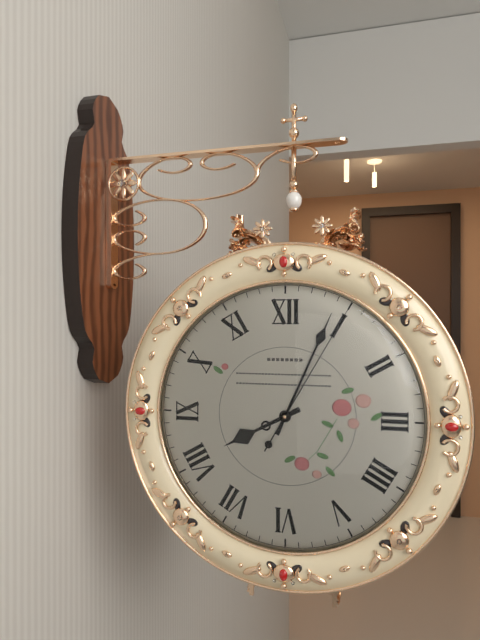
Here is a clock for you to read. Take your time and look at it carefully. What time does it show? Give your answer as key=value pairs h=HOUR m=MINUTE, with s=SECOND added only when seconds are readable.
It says h=8 m=4 s=5
